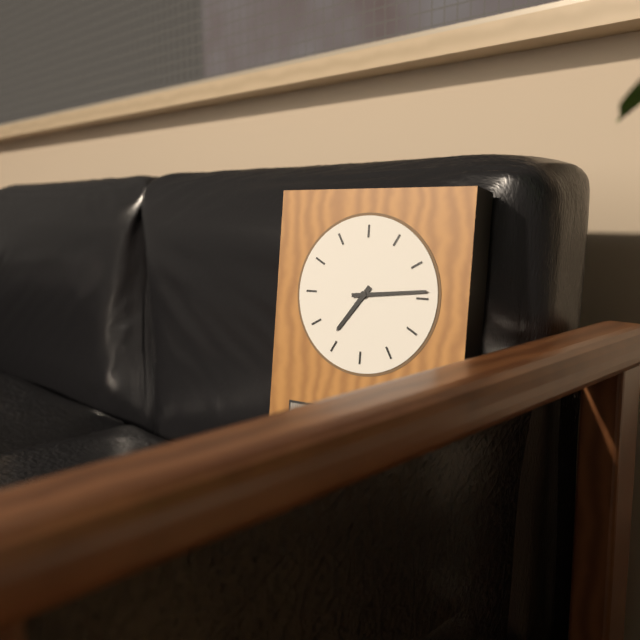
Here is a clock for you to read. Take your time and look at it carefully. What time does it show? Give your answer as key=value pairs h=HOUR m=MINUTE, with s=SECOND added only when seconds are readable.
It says h=7 m=14
